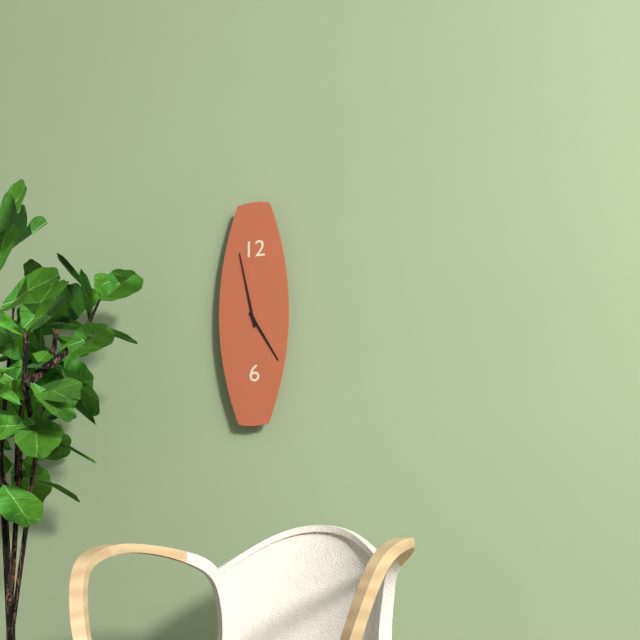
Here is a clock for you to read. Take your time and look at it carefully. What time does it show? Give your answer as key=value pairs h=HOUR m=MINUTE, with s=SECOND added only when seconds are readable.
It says h=4 m=58
